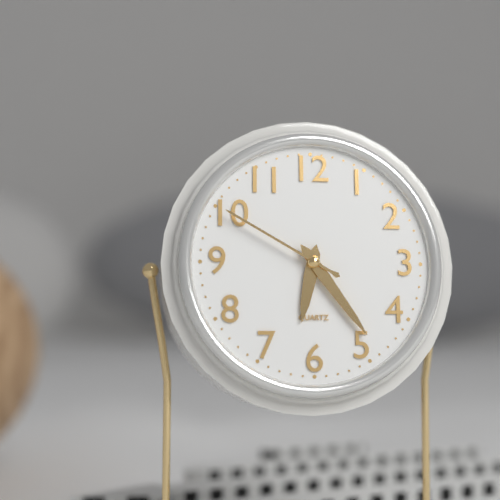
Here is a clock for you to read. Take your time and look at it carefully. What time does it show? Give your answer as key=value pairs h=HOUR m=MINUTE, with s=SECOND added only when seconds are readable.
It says h=6 m=24 s=50
